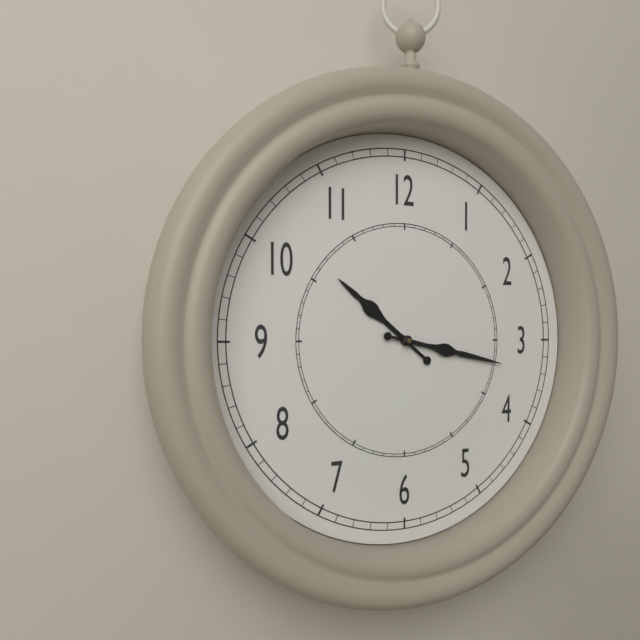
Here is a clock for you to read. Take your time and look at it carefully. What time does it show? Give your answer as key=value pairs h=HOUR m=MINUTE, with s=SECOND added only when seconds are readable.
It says h=10 m=17
